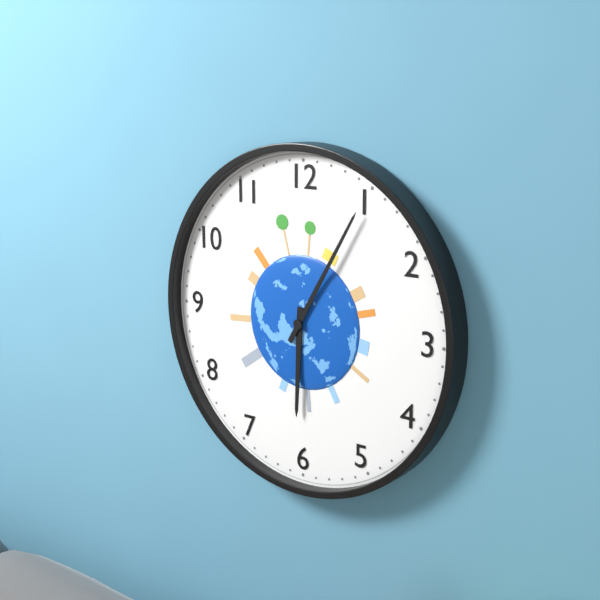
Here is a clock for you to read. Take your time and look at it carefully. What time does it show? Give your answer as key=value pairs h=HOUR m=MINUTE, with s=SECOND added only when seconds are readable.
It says h=6 m=5
